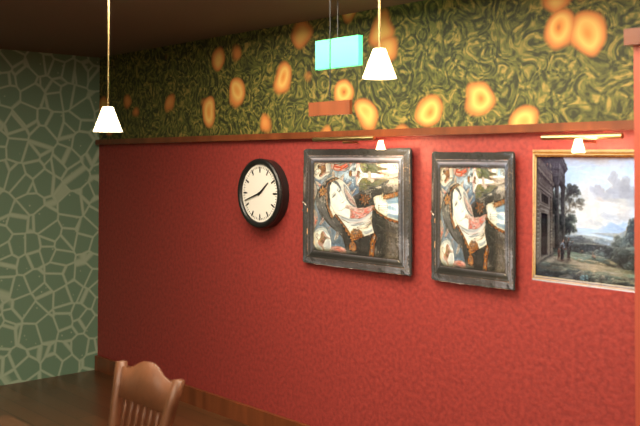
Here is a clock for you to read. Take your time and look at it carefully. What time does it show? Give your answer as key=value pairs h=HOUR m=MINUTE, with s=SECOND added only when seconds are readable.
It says h=1 m=42
